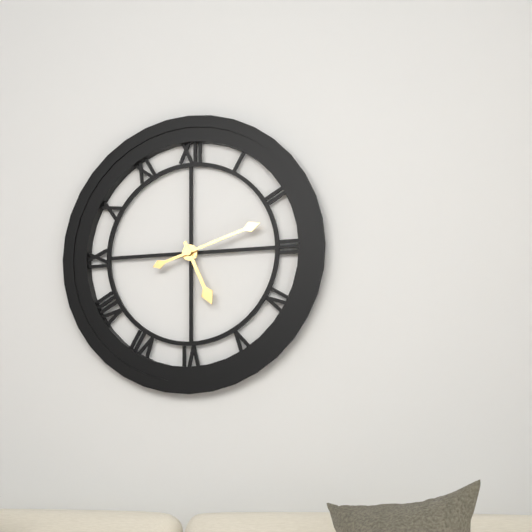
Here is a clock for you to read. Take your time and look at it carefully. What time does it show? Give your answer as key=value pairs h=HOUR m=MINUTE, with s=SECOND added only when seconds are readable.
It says h=5 m=12
